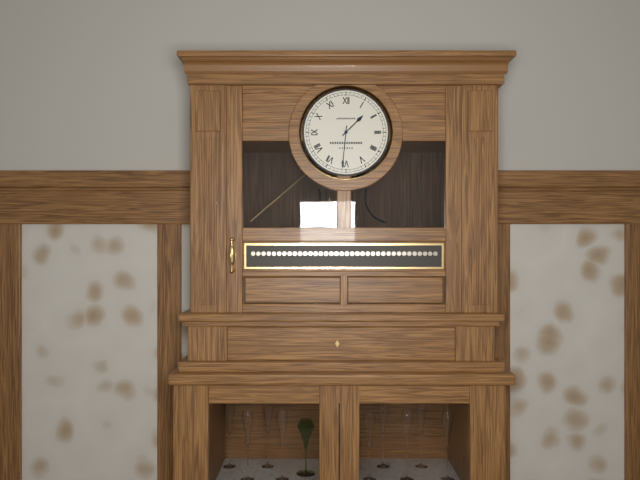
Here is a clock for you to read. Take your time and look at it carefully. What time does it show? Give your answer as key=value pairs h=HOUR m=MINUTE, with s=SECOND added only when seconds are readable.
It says h=1 m=31
